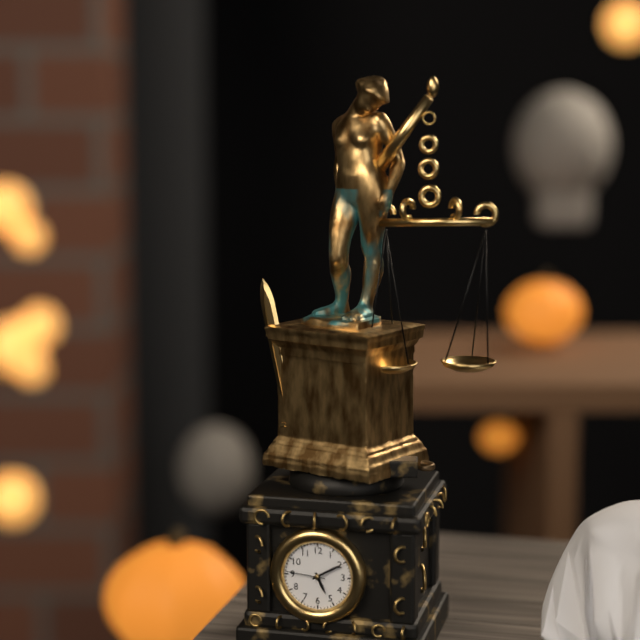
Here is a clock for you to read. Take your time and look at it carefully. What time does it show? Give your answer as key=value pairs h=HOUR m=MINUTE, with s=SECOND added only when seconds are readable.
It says h=5 m=10
